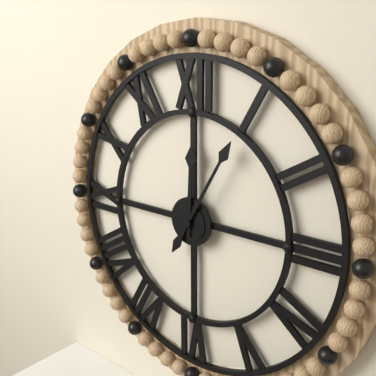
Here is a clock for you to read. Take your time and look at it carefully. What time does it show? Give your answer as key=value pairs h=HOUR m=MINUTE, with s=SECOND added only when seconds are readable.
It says h=12 m=5
